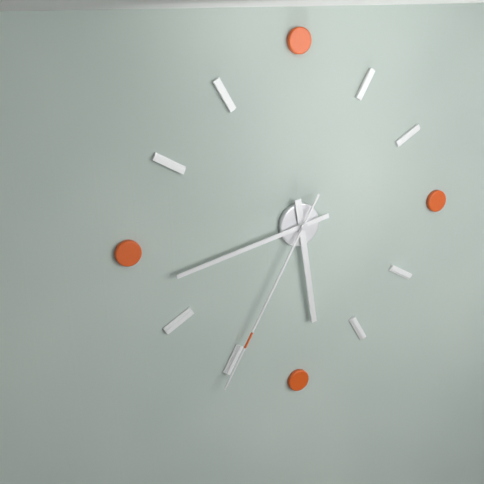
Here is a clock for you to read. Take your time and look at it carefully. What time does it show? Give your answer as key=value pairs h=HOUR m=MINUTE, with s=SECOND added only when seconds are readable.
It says h=5 m=43 s=35
